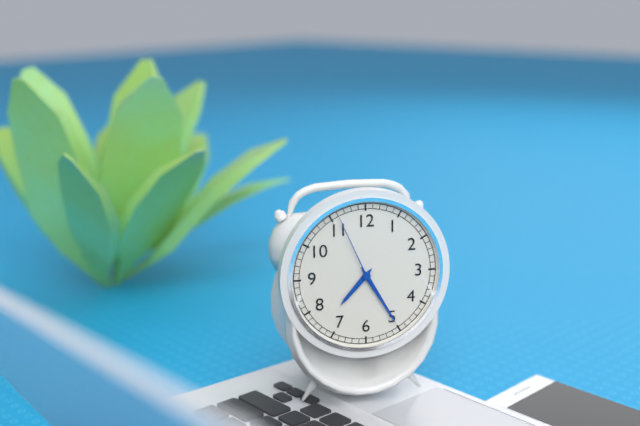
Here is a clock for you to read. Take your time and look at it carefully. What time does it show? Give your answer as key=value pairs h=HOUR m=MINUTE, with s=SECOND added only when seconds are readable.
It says h=7 m=25 s=56
